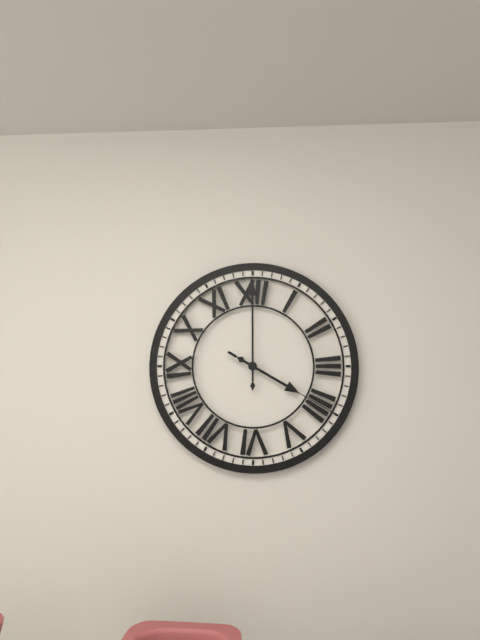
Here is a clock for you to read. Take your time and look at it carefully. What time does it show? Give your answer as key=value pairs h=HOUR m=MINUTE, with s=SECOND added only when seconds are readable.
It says h=4 m=0 s=20
